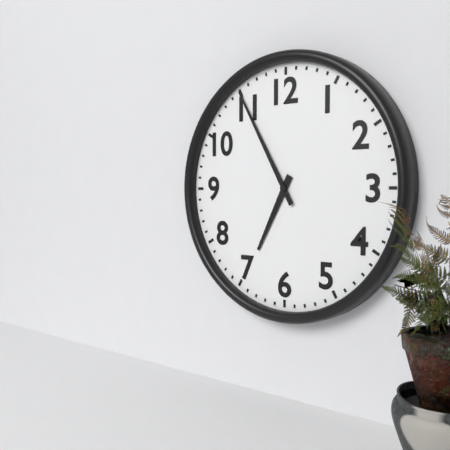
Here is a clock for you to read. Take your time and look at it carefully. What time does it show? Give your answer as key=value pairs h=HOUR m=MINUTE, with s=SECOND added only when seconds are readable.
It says h=6 m=55
